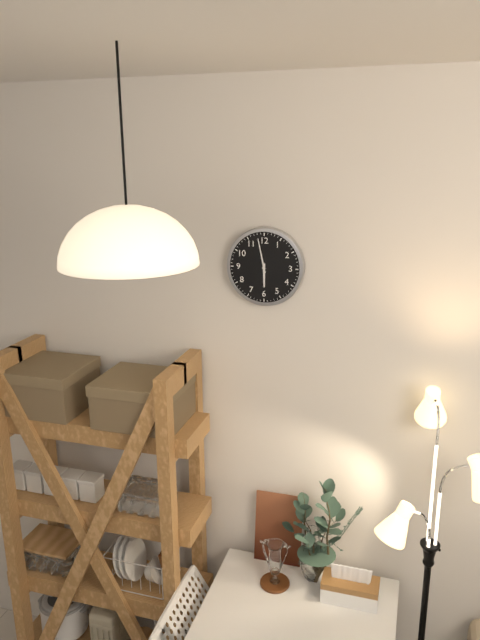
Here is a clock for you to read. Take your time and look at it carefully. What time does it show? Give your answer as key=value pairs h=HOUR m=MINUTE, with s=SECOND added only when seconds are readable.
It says h=5 m=58
